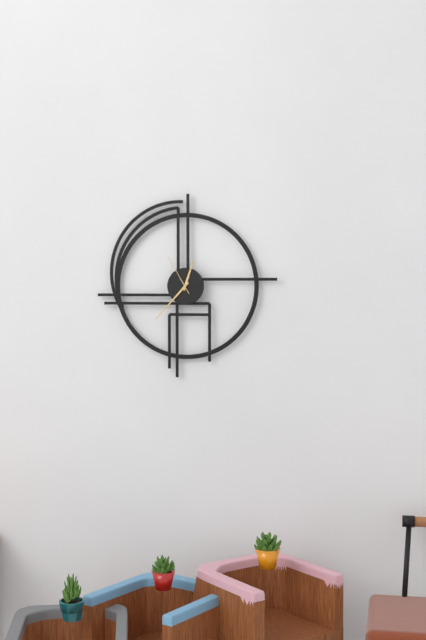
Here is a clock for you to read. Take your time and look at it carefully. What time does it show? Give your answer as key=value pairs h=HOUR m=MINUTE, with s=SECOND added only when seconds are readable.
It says h=12 m=37
